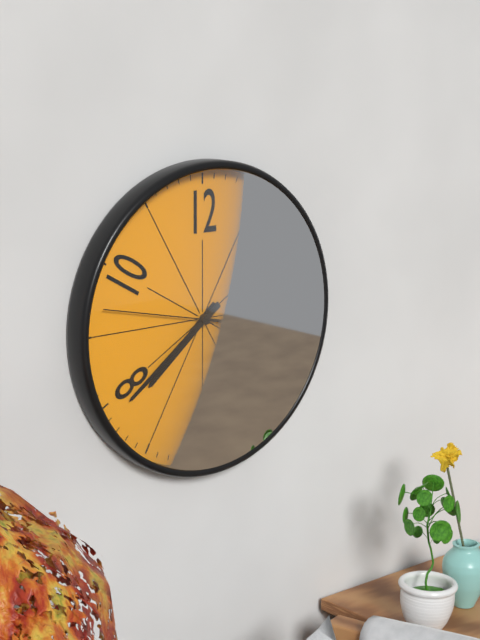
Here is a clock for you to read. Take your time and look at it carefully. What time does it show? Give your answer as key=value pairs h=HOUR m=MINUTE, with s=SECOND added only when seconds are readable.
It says h=7 m=39 s=47
